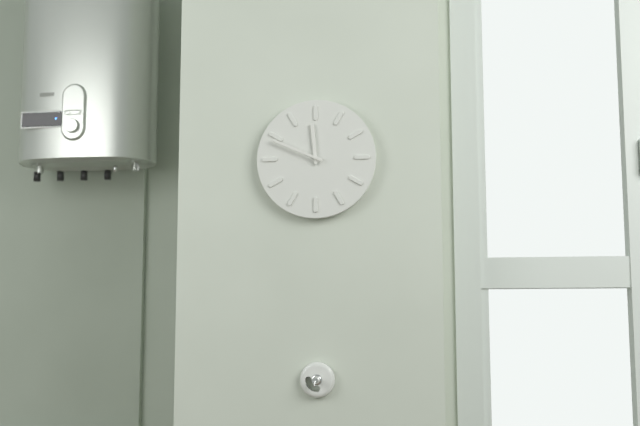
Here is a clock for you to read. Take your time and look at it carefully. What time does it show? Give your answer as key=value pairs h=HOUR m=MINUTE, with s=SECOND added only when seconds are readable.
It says h=11 m=49
